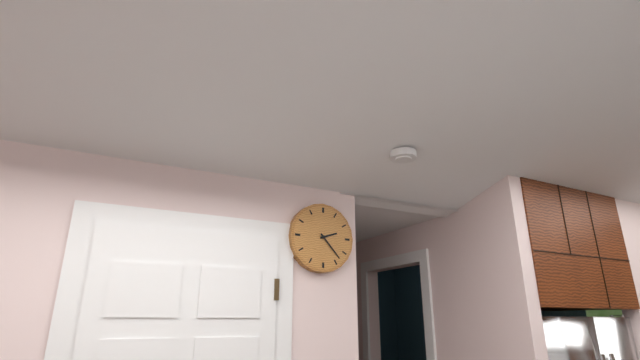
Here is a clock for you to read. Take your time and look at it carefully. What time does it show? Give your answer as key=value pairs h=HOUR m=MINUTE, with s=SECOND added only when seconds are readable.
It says h=2 m=23
